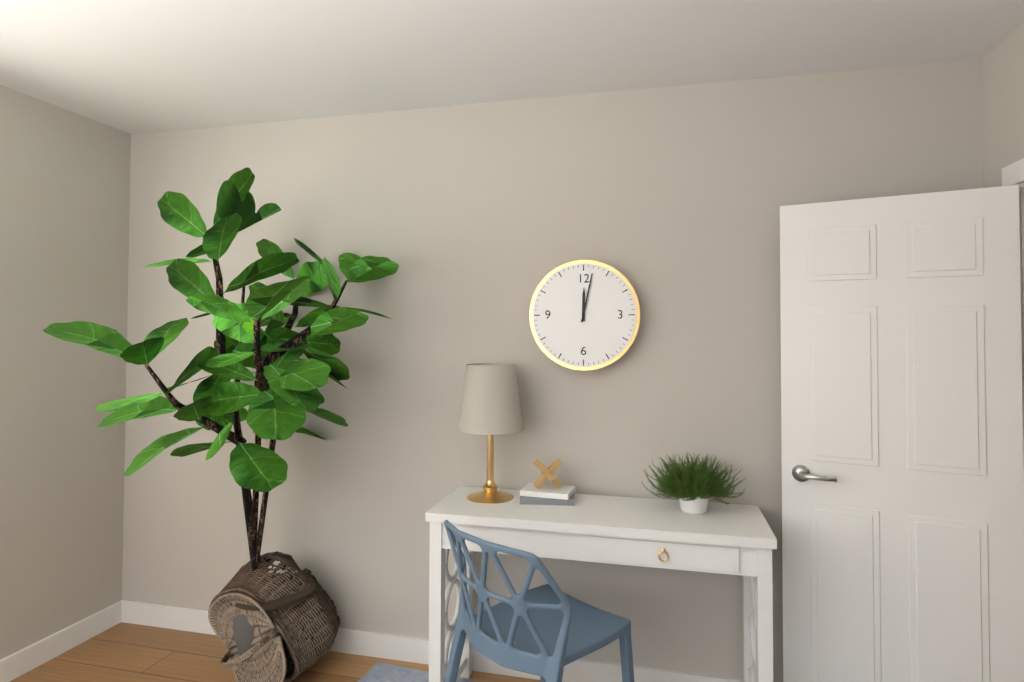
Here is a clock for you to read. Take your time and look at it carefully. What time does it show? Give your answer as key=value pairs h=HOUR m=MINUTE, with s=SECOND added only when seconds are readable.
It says h=12 m=2
